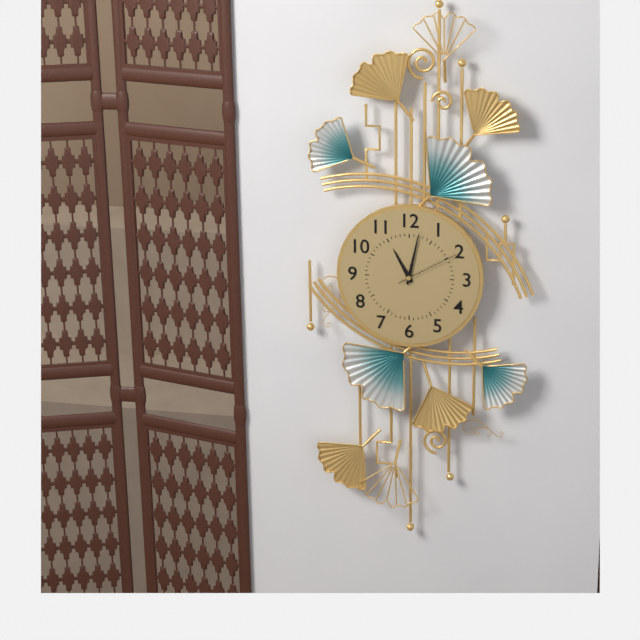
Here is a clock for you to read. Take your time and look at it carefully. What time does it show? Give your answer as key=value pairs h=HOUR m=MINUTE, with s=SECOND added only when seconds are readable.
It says h=11 m=2 s=10
